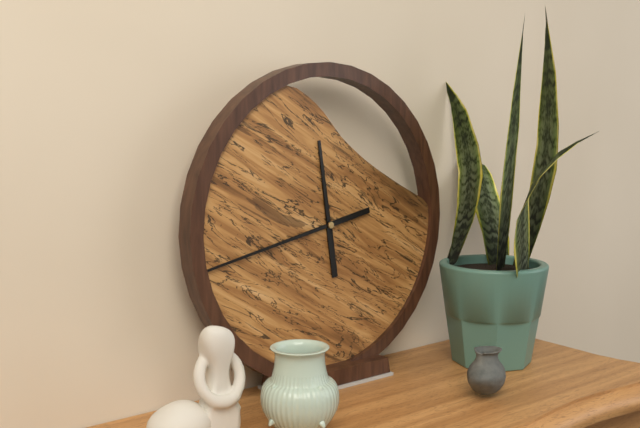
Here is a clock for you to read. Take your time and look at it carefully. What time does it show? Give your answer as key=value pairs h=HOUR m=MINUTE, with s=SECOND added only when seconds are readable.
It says h=11 m=43
